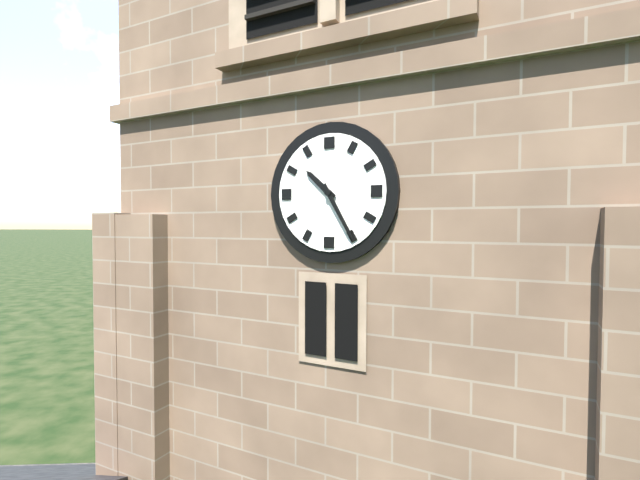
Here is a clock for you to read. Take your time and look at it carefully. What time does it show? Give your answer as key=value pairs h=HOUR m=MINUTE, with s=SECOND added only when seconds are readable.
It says h=10 m=25
